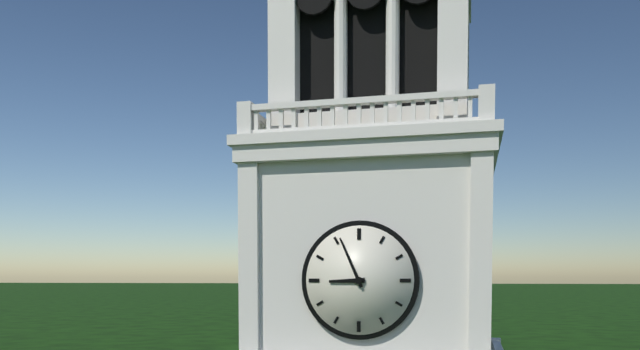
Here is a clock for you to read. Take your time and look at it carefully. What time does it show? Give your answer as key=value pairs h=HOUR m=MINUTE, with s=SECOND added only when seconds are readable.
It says h=8 m=56
